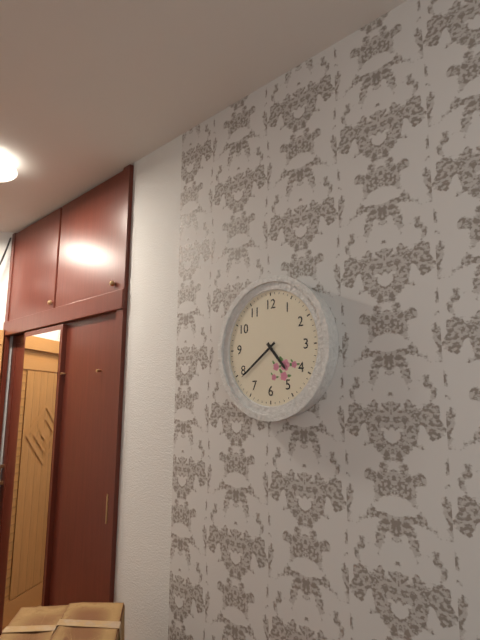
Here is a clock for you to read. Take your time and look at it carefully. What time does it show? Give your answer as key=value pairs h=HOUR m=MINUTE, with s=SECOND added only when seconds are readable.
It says h=4 m=39
